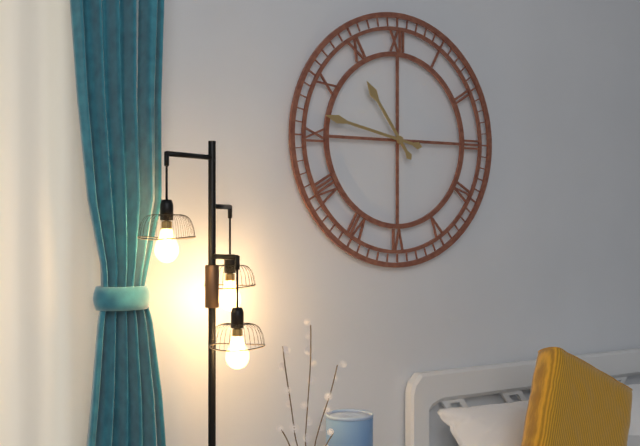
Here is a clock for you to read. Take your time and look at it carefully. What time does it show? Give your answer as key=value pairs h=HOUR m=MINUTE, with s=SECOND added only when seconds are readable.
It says h=10 m=47
